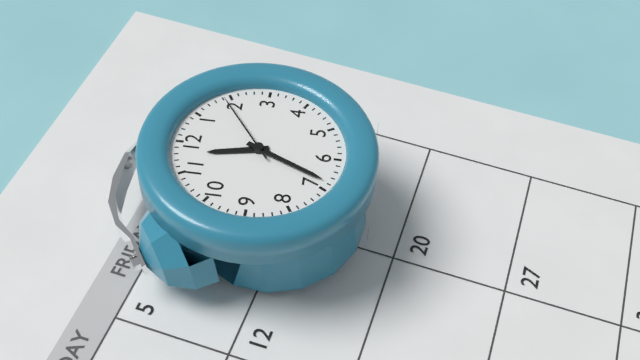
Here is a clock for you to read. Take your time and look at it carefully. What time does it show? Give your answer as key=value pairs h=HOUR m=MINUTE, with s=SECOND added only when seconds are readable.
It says h=11 m=34 s=9
